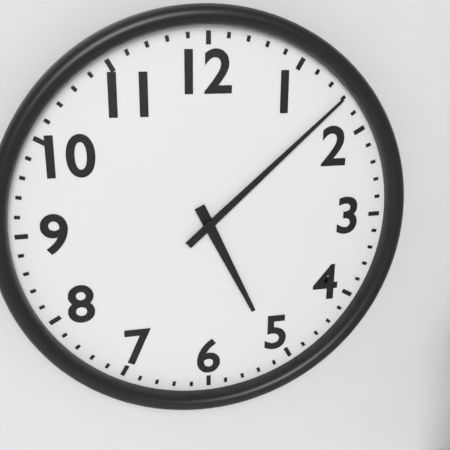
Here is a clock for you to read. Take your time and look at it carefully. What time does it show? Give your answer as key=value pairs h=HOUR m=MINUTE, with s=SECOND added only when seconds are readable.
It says h=5 m=8
